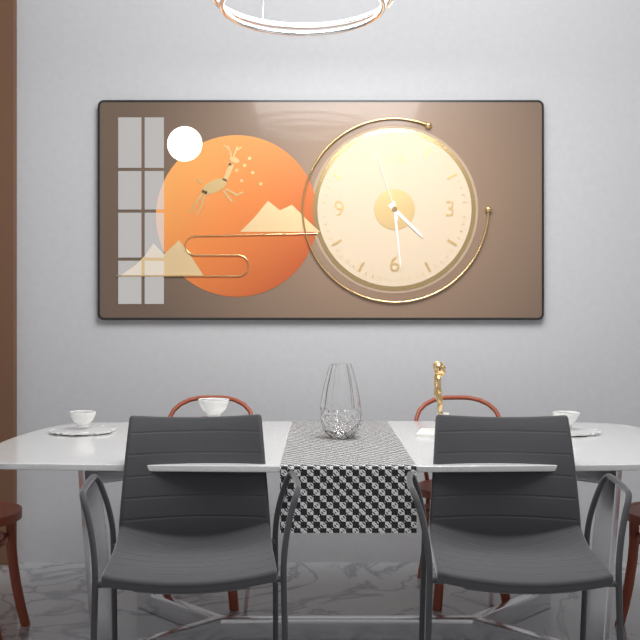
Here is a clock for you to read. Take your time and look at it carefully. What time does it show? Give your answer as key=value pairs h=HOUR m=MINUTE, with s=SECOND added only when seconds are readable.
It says h=4 m=29 s=57
